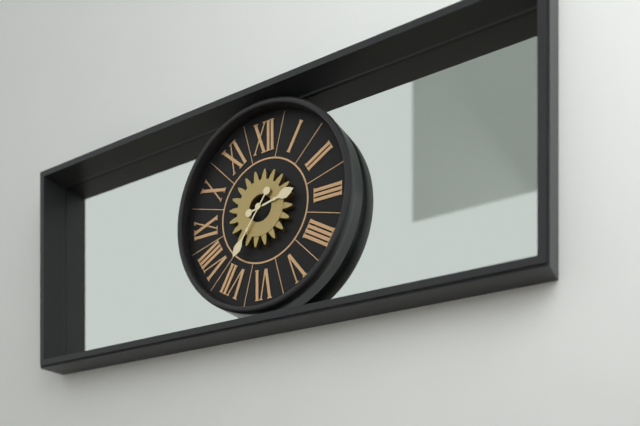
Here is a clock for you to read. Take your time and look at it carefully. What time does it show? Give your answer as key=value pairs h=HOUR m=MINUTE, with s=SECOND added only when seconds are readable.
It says h=2 m=36
